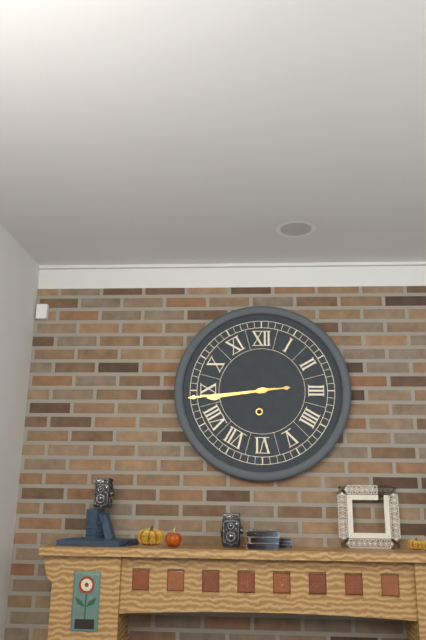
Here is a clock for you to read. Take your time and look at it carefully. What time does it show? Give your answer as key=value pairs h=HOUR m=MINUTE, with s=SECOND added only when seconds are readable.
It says h=8 m=44
